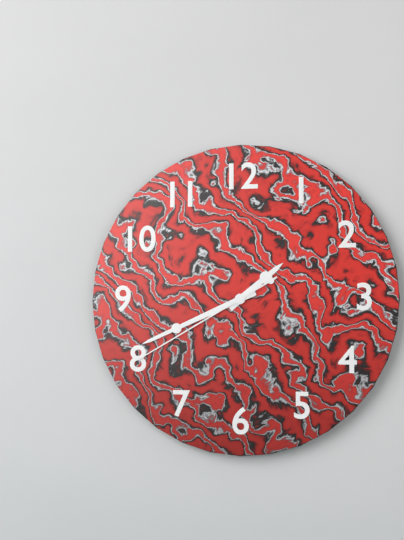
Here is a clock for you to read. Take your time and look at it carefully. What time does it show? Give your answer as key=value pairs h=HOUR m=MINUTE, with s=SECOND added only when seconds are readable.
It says h=1 m=41 s=40
